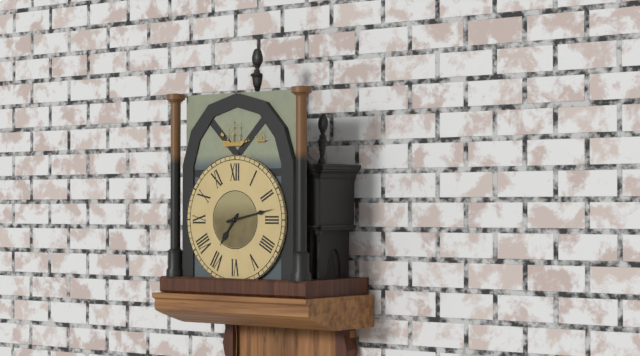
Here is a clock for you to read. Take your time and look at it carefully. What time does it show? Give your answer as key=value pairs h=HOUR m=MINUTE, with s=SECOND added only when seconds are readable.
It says h=7 m=13
